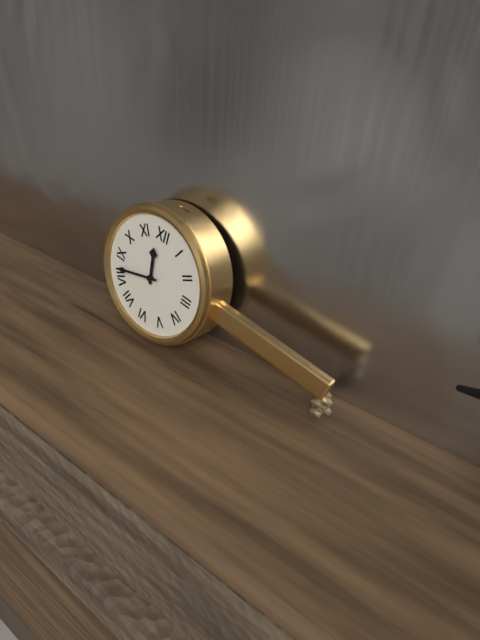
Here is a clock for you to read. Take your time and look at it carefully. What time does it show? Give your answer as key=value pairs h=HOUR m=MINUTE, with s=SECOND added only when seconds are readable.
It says h=11 m=42
